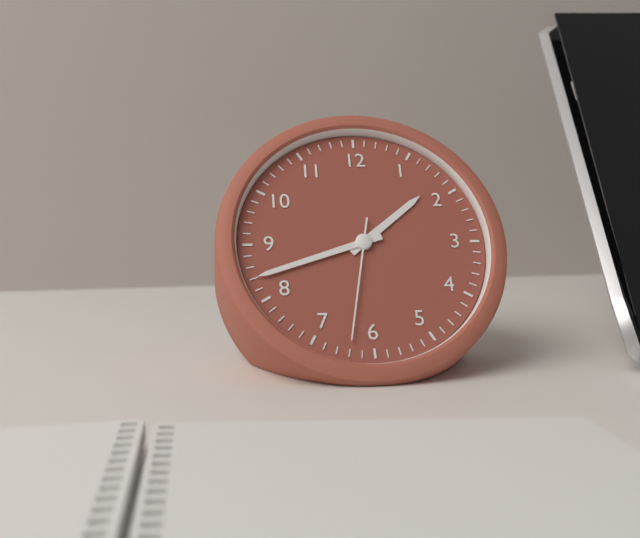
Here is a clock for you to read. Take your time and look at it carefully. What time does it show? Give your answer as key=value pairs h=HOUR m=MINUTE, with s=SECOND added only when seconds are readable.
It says h=1 m=42 s=32
